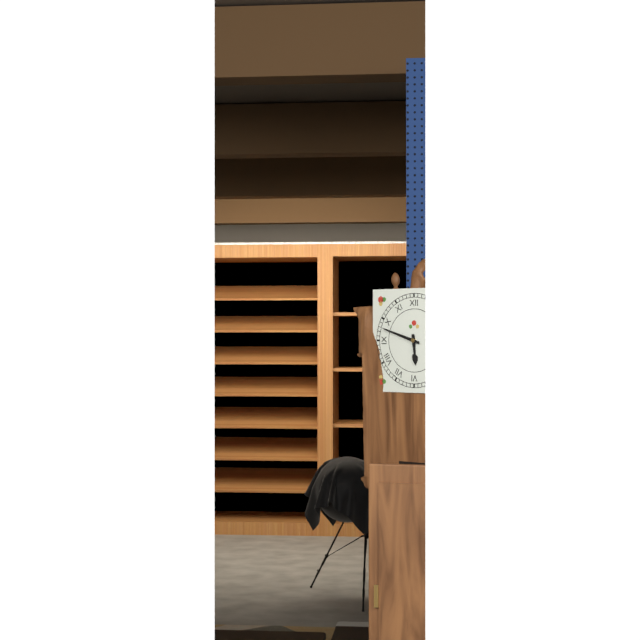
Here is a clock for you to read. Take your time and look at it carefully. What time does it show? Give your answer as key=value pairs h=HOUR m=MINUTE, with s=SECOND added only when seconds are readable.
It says h=5 m=48
